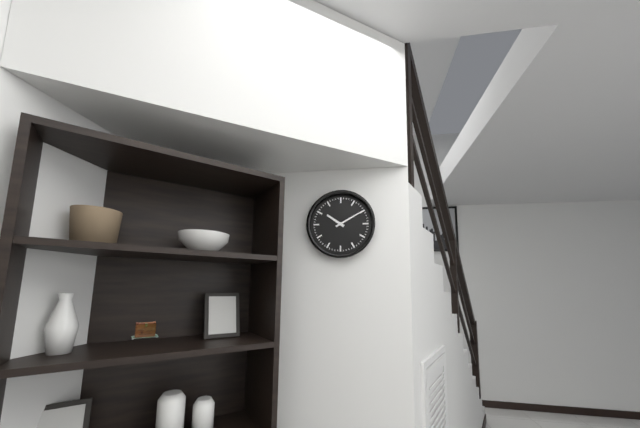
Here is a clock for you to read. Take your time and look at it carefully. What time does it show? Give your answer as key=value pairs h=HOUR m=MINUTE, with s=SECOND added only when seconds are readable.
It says h=10 m=10
